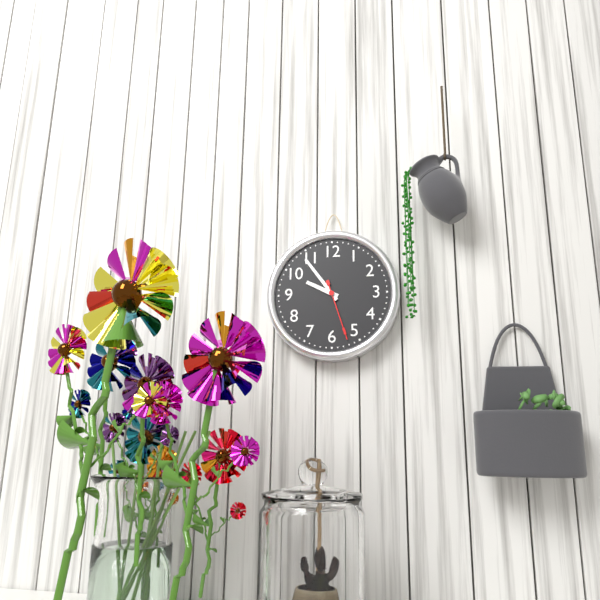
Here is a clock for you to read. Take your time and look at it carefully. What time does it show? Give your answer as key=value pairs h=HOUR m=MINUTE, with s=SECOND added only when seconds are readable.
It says h=9 m=54 s=27
